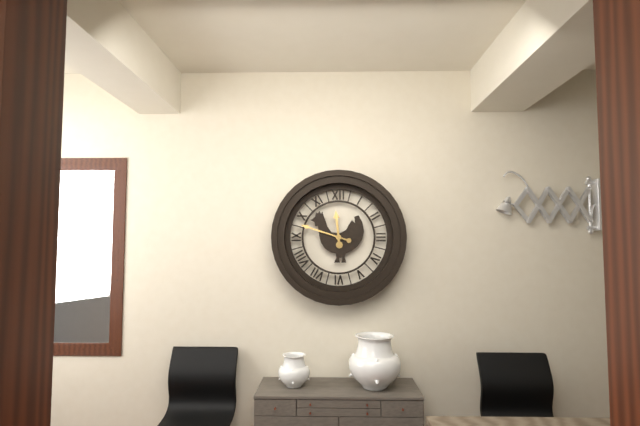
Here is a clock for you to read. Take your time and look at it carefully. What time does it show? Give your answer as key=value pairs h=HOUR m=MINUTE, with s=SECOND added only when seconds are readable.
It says h=11 m=48
